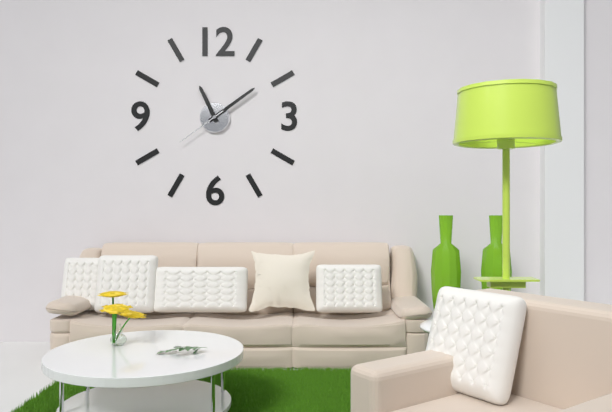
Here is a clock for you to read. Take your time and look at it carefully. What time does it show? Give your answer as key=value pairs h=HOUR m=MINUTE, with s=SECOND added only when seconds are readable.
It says h=11 m=9 s=39
